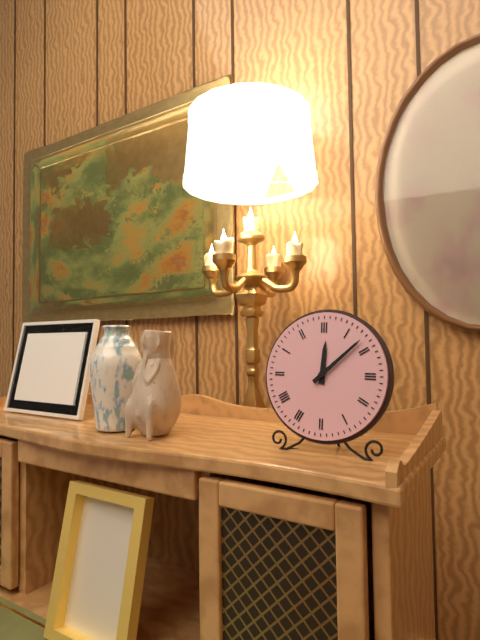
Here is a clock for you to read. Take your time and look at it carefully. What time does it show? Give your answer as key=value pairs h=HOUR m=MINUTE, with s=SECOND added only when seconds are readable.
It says h=12 m=8
